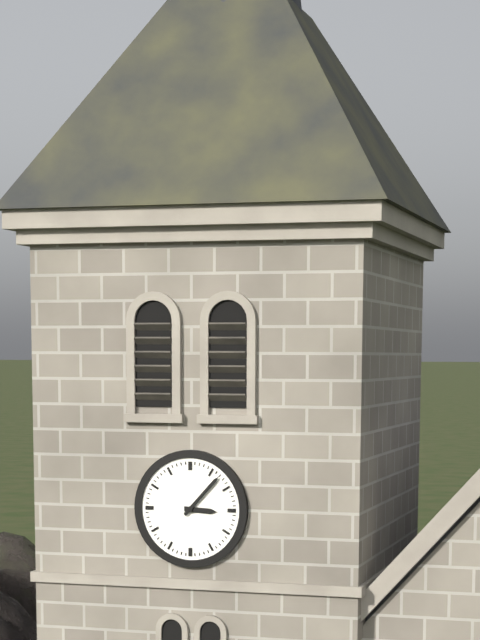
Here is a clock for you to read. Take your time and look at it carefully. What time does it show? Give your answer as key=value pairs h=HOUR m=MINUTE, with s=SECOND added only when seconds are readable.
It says h=3 m=7
